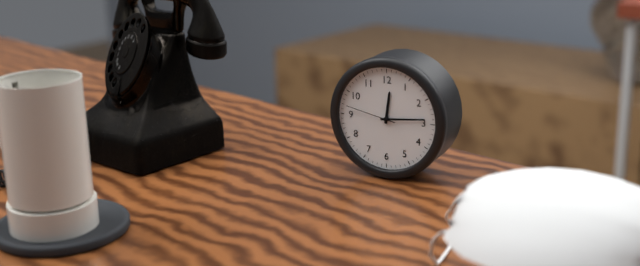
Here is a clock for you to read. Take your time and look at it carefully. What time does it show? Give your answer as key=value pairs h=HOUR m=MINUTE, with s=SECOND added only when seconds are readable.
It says h=12 m=14 s=47
